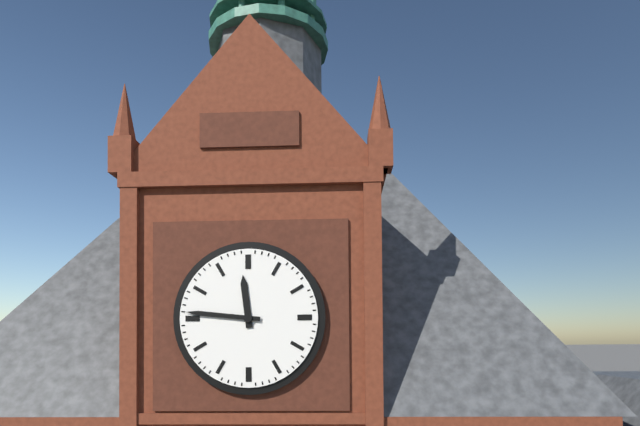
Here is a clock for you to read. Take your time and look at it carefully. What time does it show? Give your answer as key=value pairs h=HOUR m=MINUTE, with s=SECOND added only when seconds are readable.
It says h=11 m=46
